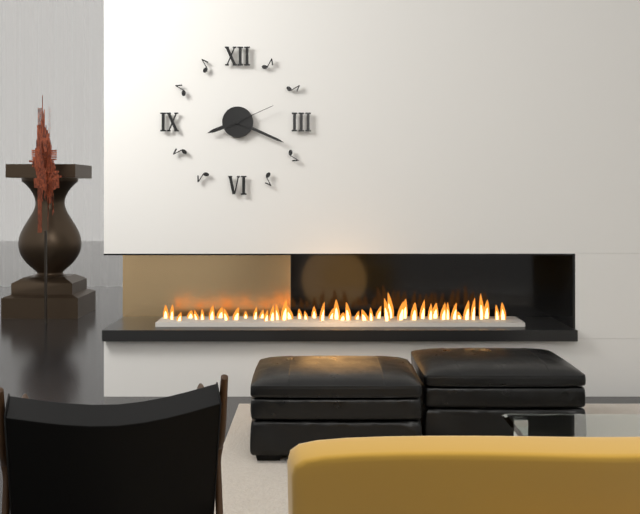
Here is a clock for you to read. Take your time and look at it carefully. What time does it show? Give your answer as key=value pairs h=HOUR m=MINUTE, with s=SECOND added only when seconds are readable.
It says h=8 m=19
